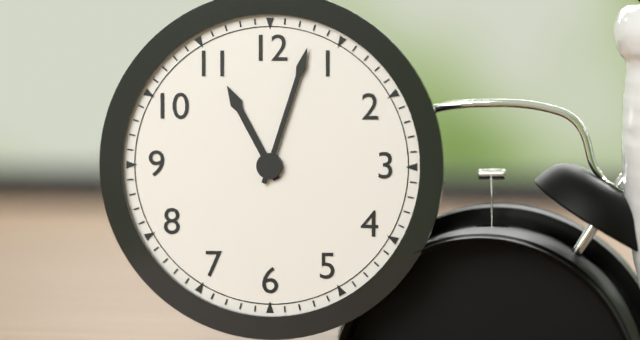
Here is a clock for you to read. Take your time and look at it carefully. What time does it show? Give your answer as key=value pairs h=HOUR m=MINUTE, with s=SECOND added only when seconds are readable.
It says h=11 m=3
